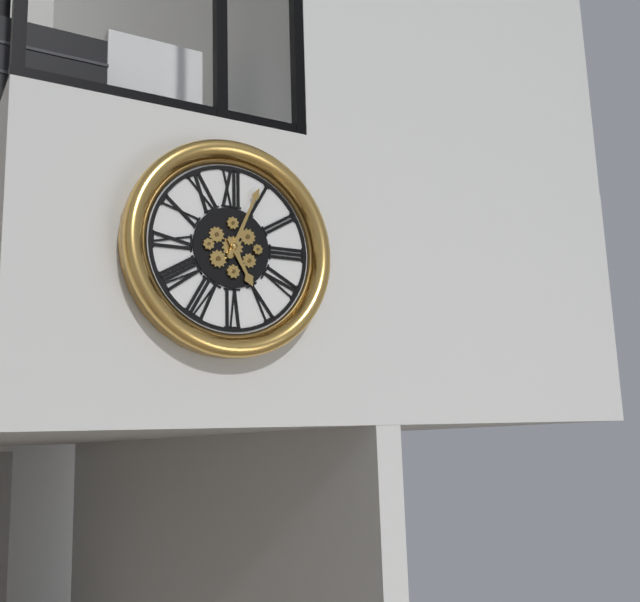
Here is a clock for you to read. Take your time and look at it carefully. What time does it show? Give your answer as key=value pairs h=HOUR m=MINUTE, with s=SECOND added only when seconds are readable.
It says h=5 m=4
